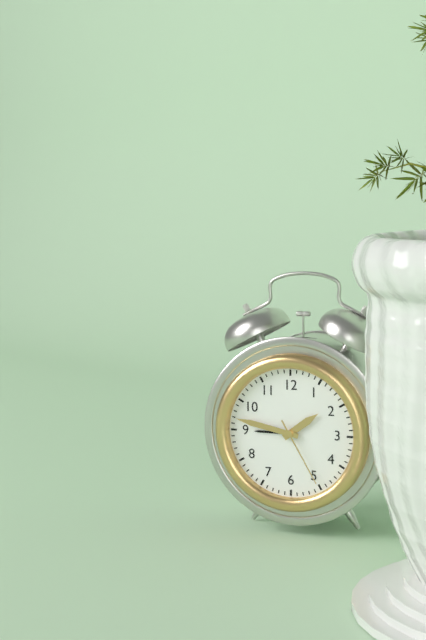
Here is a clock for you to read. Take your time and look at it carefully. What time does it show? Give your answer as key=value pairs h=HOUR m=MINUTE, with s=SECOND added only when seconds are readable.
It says h=1 m=47 s=25
